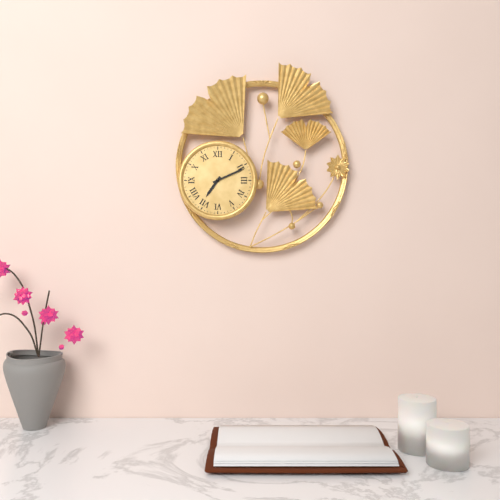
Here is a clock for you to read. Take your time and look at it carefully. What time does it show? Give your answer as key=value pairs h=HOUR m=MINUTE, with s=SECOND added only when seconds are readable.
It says h=7 m=11
